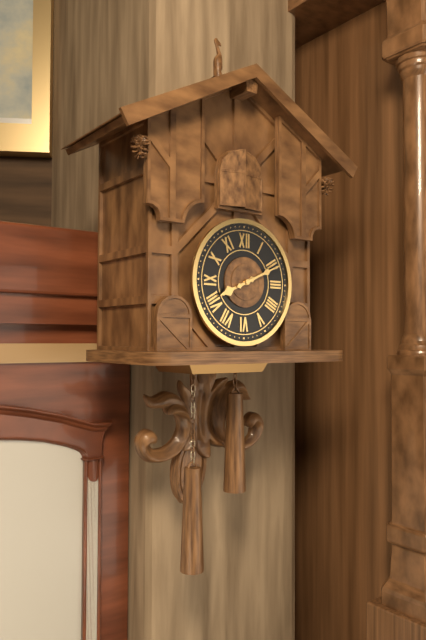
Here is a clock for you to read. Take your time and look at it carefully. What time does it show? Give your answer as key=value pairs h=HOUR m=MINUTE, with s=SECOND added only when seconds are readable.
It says h=8 m=11
